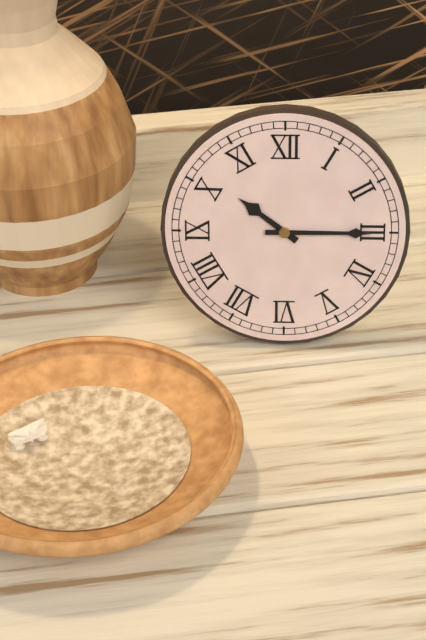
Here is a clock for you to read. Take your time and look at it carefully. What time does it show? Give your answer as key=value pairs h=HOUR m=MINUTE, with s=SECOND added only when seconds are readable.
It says h=10 m=15
